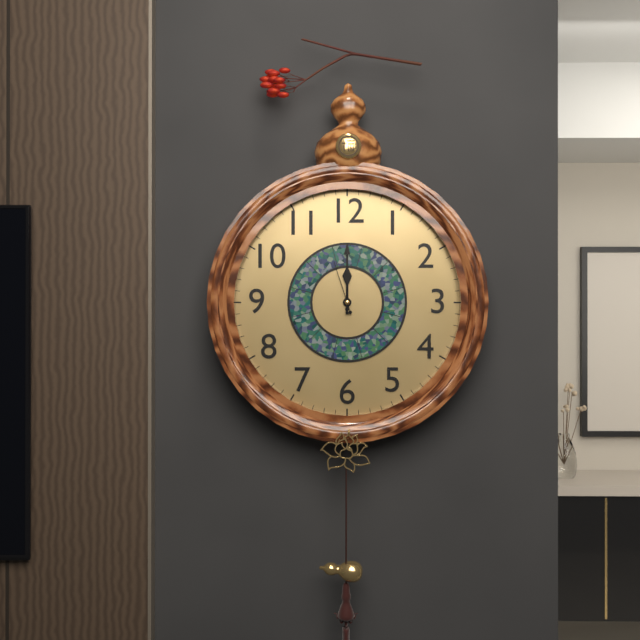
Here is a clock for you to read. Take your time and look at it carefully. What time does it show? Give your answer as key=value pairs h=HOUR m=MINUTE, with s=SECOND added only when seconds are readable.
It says h=12 m=0 s=57
